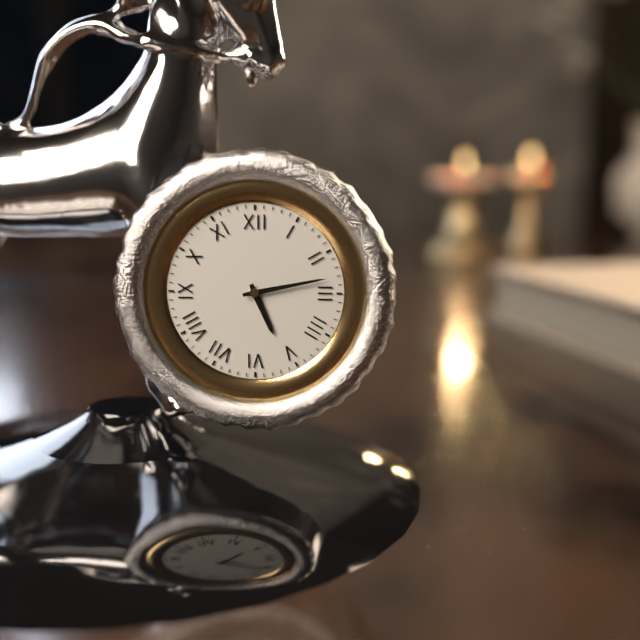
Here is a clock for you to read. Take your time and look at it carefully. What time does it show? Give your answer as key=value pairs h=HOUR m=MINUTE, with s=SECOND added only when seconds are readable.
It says h=5 m=13
